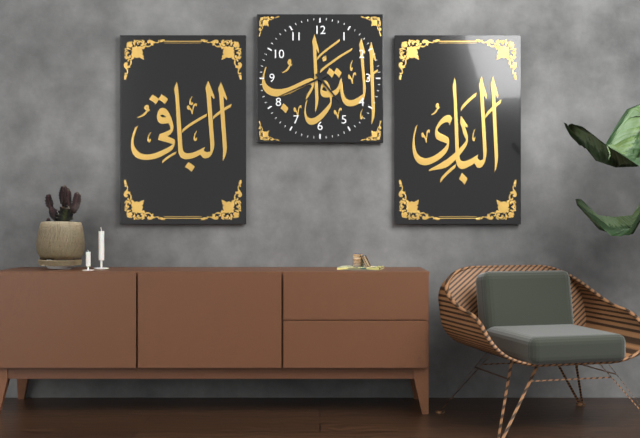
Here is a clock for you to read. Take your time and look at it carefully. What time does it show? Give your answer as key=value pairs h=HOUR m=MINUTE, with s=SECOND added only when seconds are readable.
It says h=4 m=41
